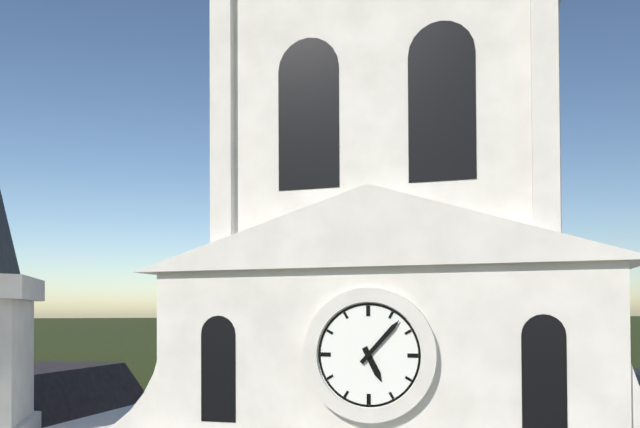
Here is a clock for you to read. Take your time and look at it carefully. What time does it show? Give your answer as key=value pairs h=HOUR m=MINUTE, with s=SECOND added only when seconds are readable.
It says h=5 m=7
